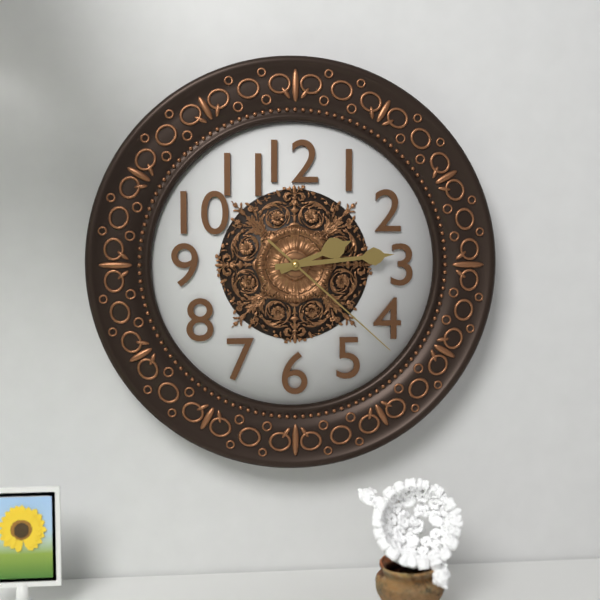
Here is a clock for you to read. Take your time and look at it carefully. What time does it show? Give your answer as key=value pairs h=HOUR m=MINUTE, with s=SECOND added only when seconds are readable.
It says h=2 m=14 s=22
